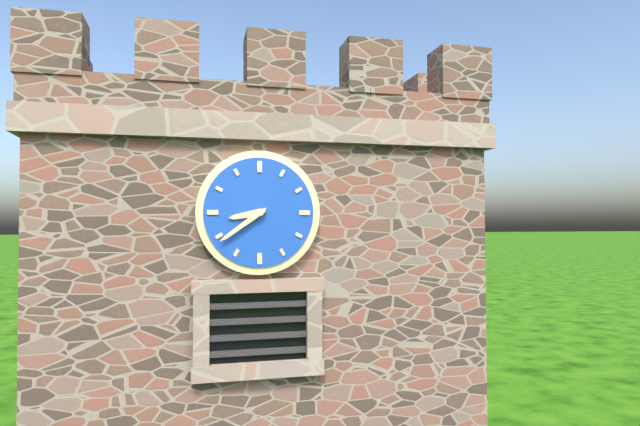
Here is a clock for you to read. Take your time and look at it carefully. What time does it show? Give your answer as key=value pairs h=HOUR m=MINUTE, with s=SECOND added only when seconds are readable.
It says h=8 m=39
